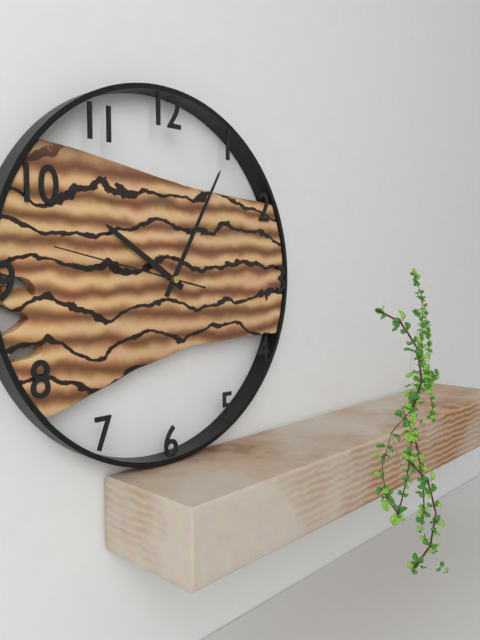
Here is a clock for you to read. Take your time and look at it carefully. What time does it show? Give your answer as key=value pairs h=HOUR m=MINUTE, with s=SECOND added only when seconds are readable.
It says h=10 m=5 s=47
